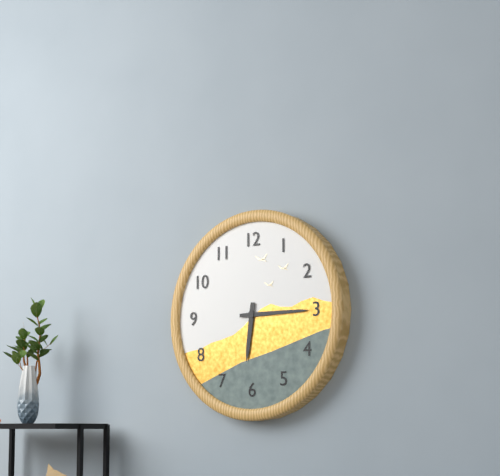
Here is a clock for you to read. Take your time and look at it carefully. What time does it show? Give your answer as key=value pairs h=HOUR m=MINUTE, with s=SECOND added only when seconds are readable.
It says h=6 m=15
